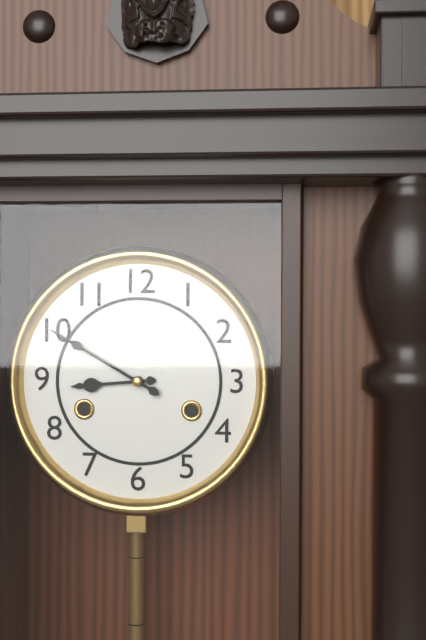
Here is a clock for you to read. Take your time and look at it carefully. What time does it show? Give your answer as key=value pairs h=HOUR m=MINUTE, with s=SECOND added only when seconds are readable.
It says h=8 m=50
